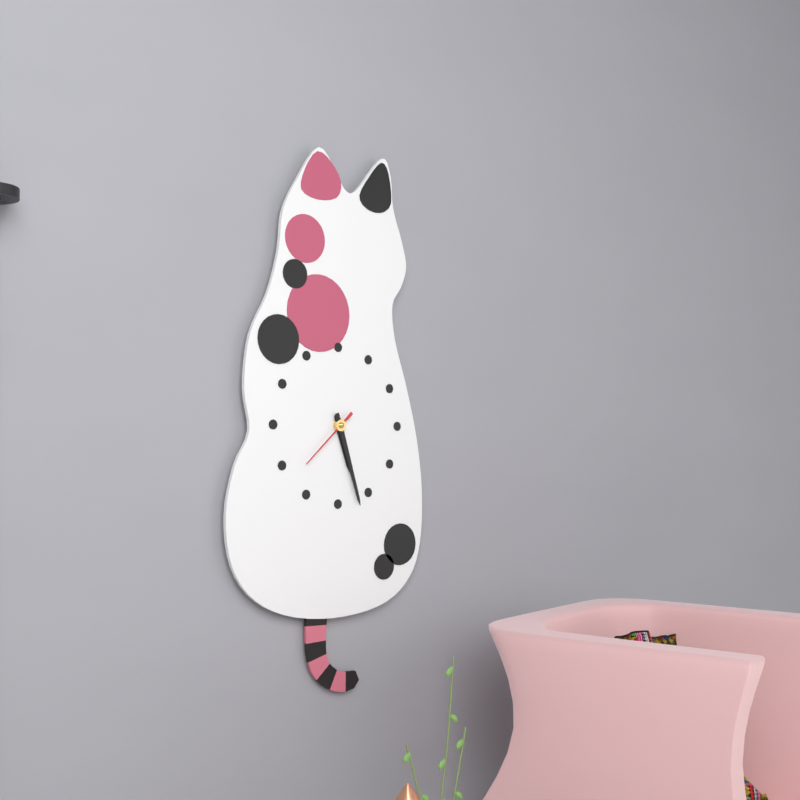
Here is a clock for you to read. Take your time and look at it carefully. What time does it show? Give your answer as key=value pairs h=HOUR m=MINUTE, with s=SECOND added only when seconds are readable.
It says h=5 m=27 s=38
